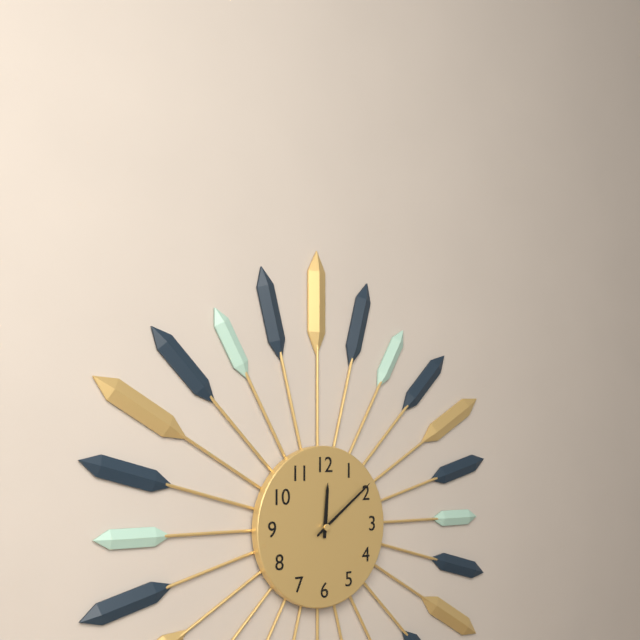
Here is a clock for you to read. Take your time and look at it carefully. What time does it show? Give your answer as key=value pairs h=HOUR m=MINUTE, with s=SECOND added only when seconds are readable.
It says h=12 m=9
